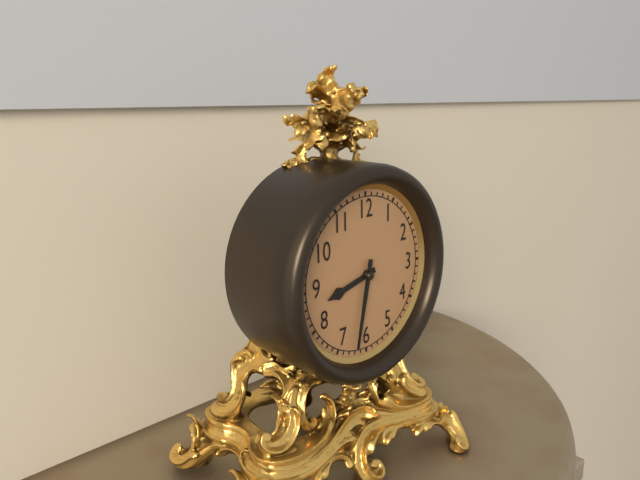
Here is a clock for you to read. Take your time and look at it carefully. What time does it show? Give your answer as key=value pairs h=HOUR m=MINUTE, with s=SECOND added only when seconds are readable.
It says h=8 m=32
